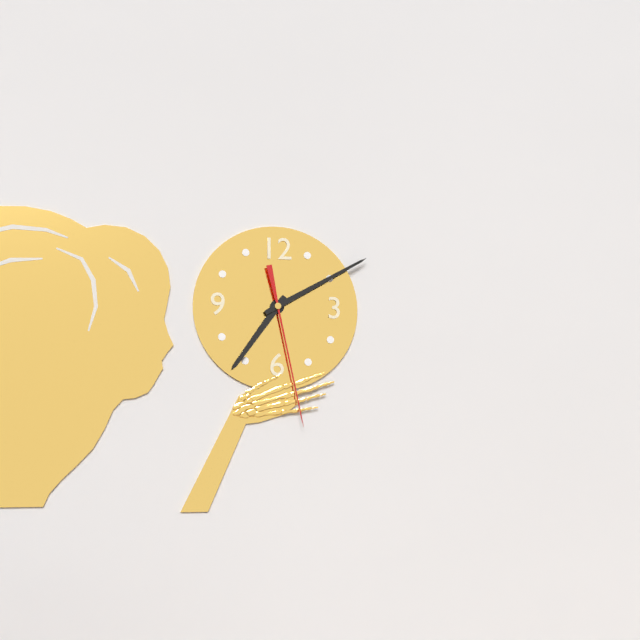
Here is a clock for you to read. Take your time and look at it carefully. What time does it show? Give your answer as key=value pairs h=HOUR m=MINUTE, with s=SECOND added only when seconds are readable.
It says h=7 m=10 s=28
